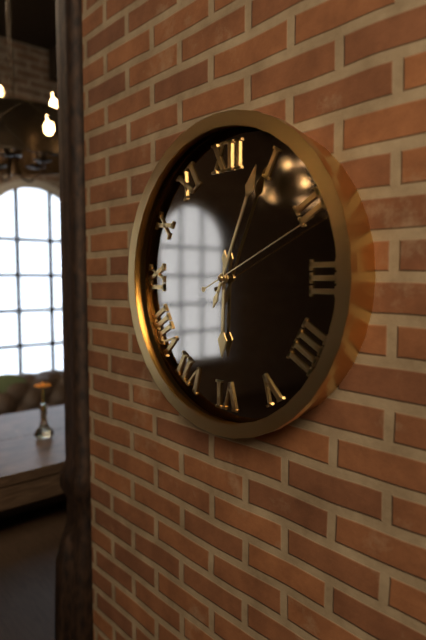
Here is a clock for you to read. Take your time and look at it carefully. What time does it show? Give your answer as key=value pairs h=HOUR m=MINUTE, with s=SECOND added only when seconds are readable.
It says h=6 m=4 s=11
